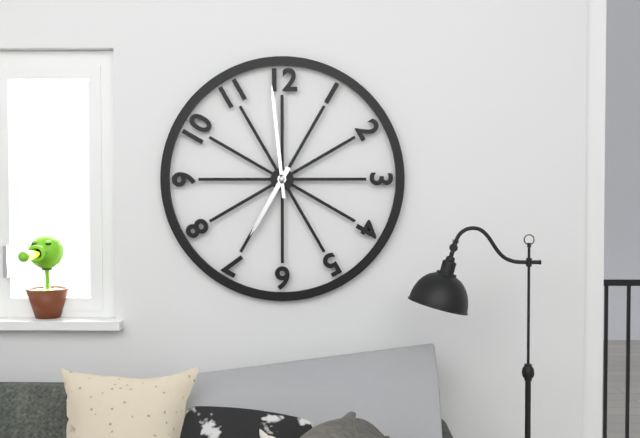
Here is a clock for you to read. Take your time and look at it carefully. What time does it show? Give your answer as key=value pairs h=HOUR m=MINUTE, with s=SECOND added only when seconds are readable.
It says h=6 m=59
